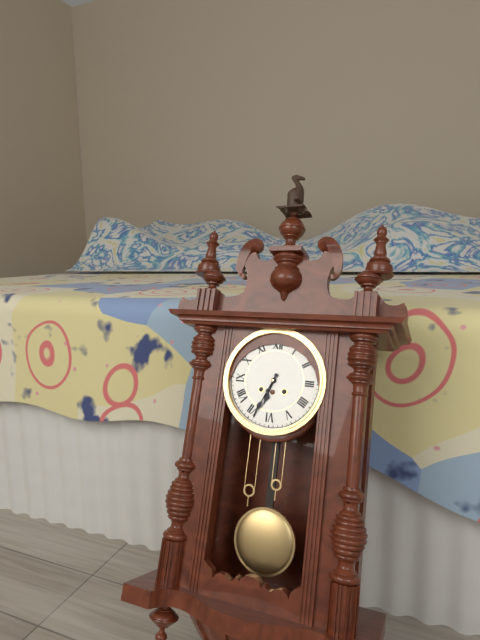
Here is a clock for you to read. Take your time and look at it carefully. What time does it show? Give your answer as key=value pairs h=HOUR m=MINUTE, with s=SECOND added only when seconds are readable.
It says h=6 m=34
